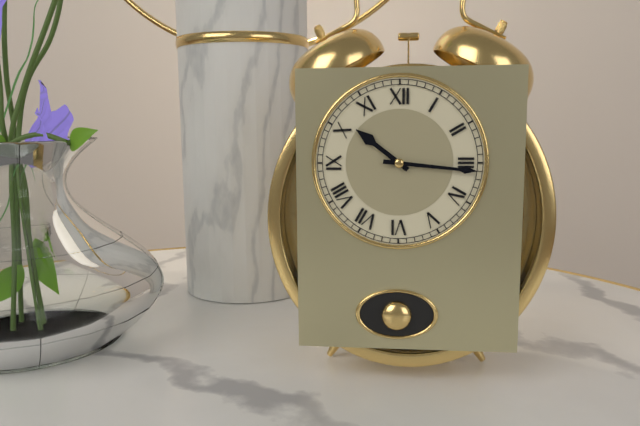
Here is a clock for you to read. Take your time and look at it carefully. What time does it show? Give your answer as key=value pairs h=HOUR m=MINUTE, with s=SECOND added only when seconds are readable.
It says h=10 m=16
